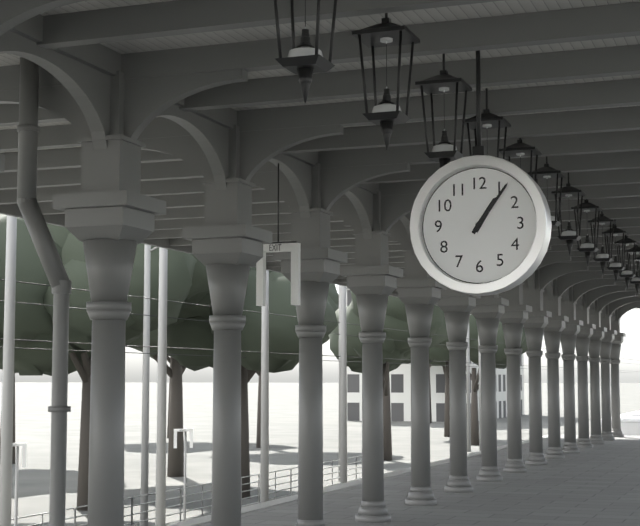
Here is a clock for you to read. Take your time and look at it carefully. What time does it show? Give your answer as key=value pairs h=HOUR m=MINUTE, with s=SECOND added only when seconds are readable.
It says h=1 m=6
